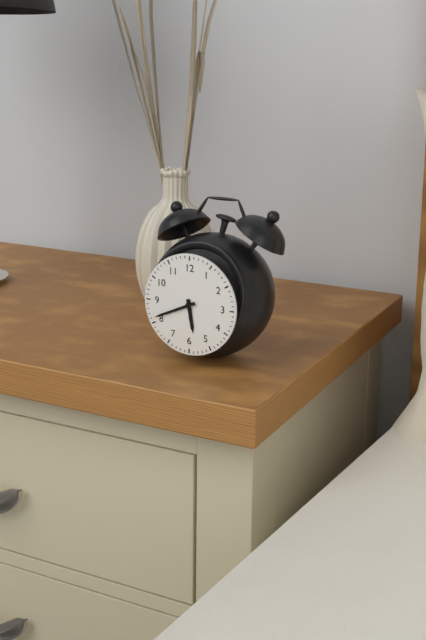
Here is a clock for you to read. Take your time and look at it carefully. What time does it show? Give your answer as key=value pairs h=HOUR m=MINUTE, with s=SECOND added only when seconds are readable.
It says h=5 m=41
